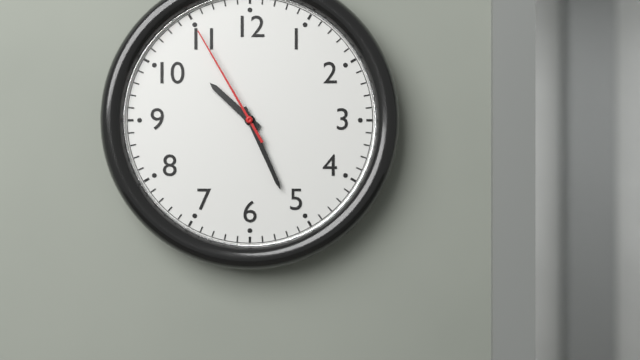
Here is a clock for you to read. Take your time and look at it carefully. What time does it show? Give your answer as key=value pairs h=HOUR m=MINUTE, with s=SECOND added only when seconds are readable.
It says h=10 m=26 s=55
